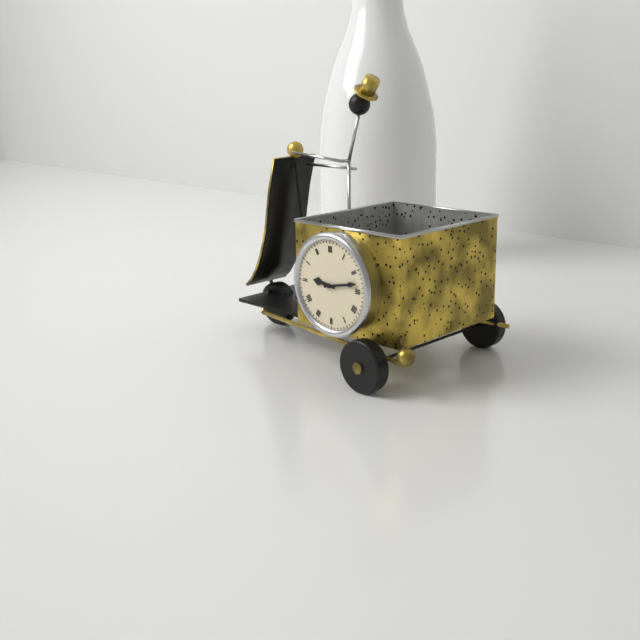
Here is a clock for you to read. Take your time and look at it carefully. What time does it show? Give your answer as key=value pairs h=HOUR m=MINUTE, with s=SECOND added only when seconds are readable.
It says h=9 m=13
